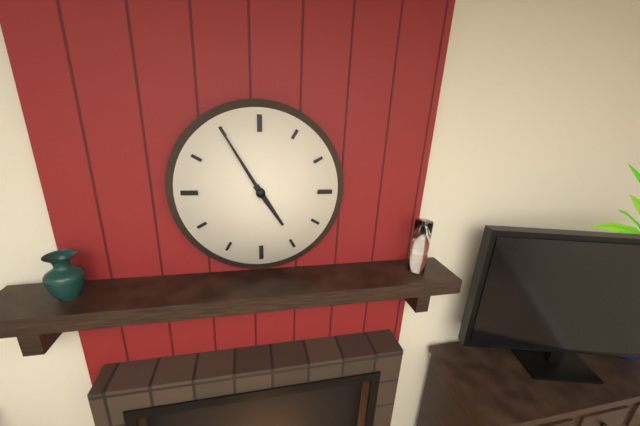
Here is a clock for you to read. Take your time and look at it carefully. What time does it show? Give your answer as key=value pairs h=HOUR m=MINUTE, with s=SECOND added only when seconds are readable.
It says h=4 m=55
